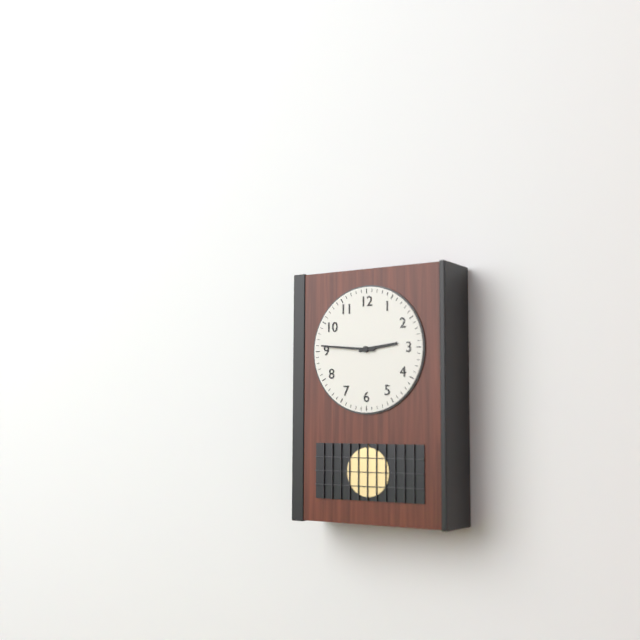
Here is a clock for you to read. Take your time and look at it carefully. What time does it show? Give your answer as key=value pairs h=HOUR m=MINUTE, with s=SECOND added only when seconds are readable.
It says h=2 m=46
